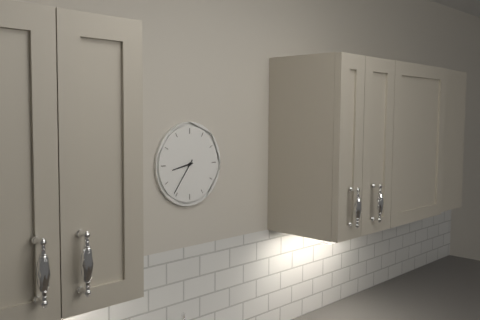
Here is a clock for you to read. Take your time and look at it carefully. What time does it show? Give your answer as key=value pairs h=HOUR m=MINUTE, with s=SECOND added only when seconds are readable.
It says h=8 m=36
